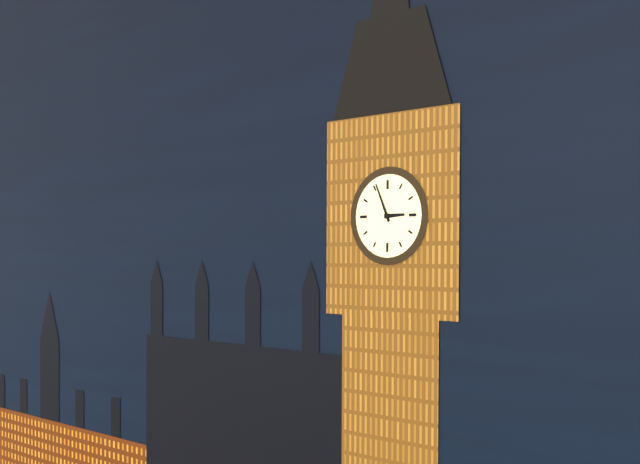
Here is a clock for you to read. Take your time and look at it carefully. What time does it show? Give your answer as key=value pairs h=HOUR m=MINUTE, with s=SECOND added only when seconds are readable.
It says h=2 m=56
